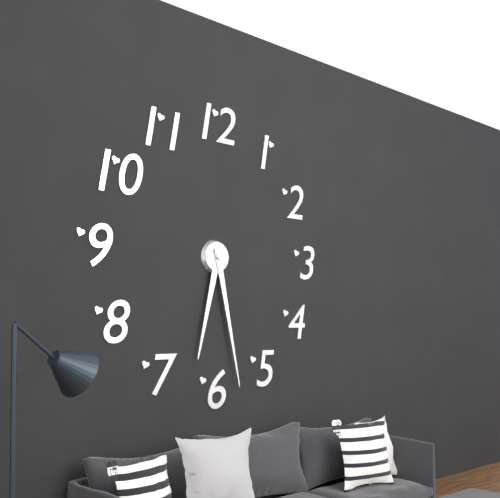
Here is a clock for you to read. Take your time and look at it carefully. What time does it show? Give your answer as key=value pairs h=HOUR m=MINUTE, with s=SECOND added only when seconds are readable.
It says h=6 m=28
